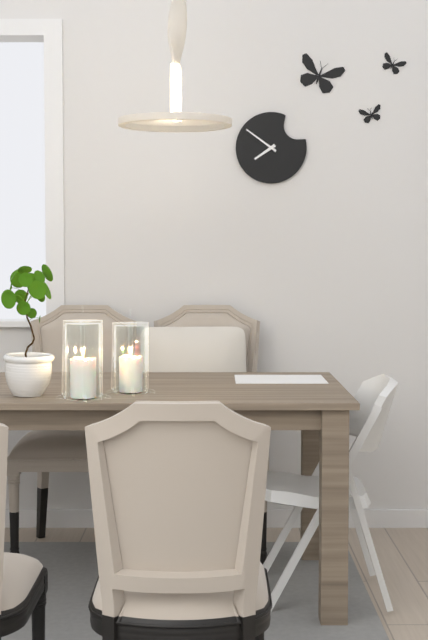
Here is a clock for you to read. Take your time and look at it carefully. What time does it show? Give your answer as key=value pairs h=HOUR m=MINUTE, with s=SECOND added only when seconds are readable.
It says h=7 m=51
